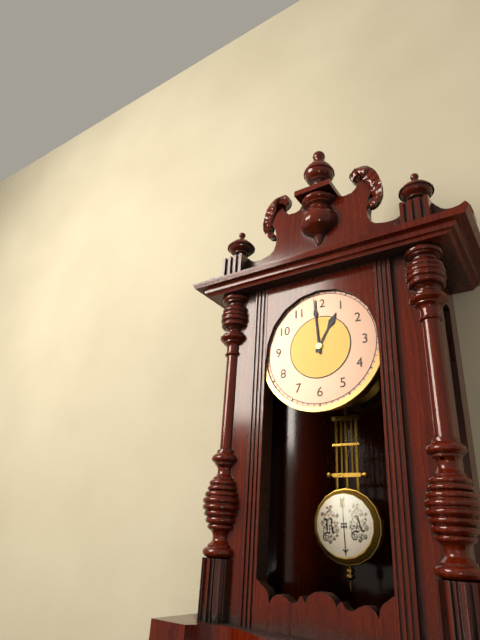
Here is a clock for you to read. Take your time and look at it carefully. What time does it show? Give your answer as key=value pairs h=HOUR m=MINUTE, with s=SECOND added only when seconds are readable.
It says h=12 m=59
